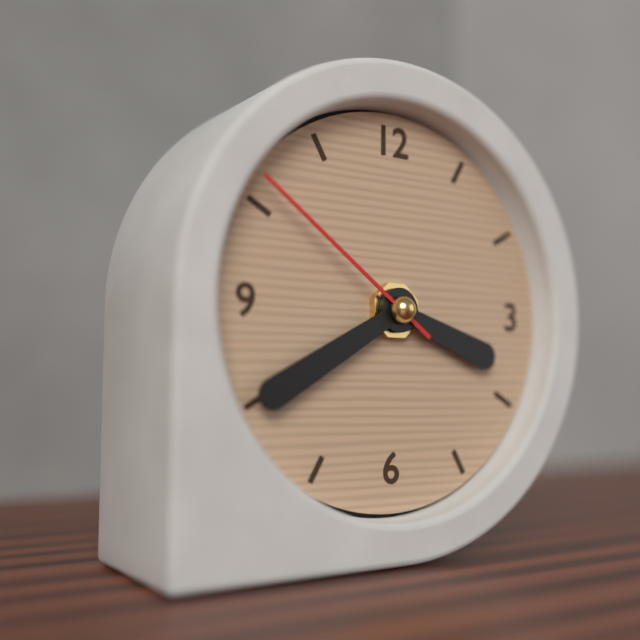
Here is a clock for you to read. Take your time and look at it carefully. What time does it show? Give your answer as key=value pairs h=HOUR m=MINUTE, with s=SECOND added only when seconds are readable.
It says h=3 m=40 s=51
